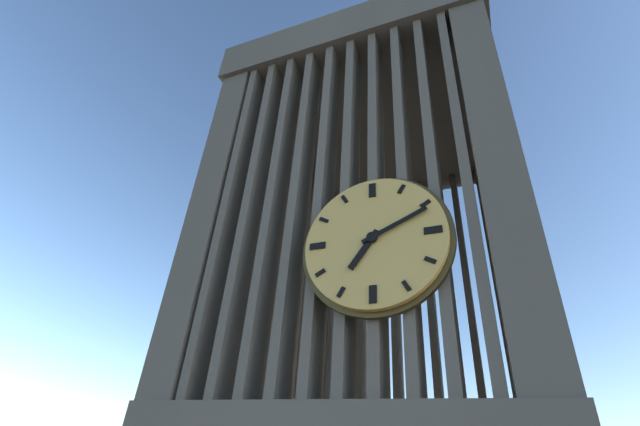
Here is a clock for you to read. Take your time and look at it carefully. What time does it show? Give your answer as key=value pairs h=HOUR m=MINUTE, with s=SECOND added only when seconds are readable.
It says h=7 m=11
